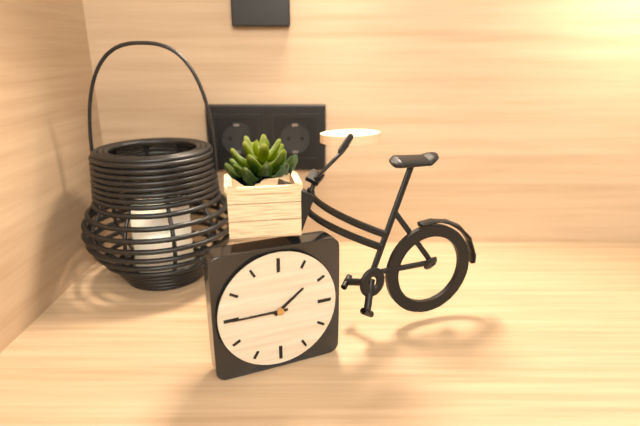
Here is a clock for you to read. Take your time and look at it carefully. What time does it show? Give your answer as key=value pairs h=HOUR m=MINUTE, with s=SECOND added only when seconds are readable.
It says h=1 m=45
